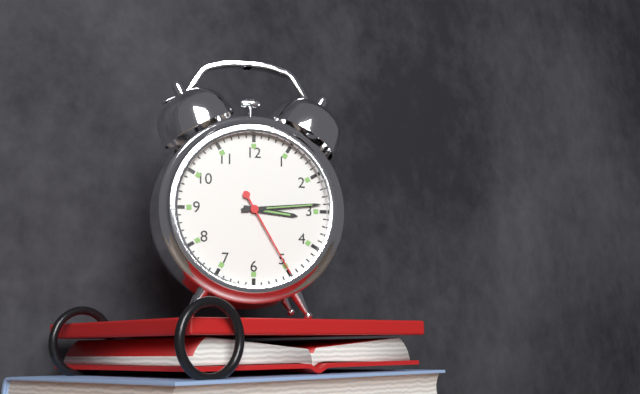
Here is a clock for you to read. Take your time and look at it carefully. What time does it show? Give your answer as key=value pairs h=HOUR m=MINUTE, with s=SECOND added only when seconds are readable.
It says h=3 m=14 s=25
